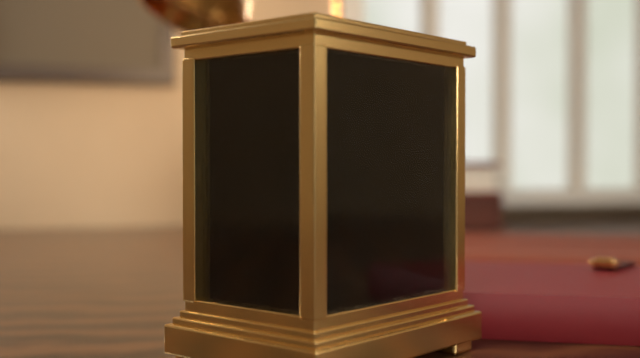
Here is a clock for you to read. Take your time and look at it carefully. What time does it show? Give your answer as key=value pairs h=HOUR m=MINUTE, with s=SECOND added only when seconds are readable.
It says h=9 m=33
